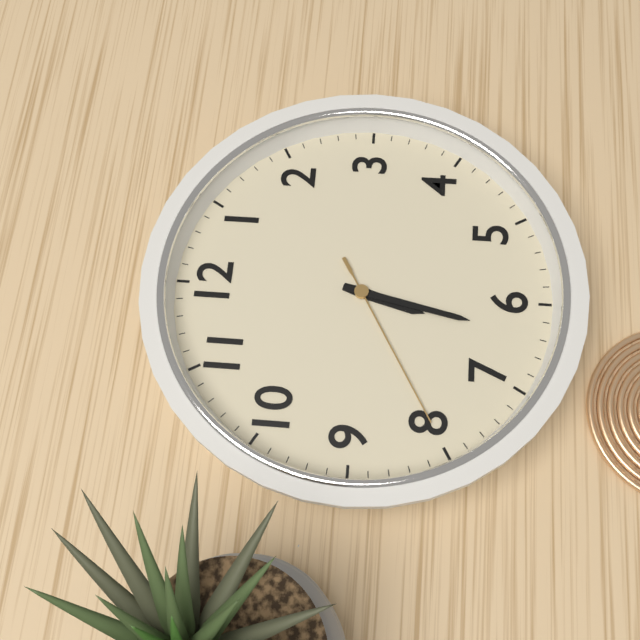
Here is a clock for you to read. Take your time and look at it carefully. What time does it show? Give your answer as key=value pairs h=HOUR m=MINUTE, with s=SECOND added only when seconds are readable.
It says h=6 m=32 s=40
